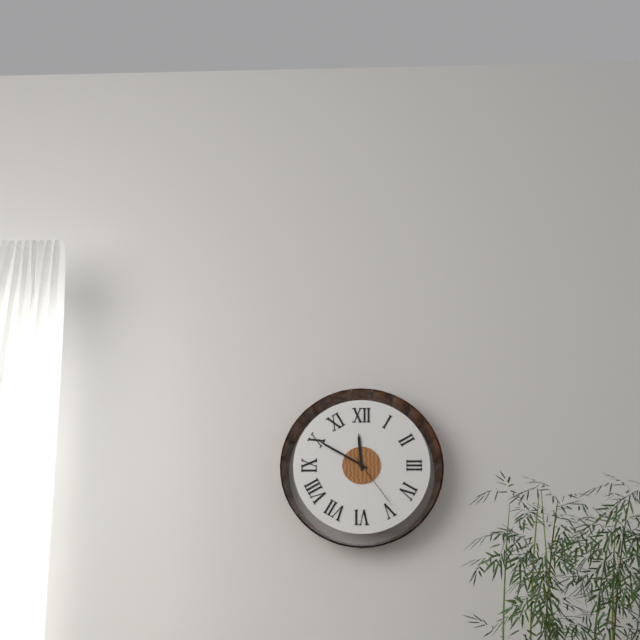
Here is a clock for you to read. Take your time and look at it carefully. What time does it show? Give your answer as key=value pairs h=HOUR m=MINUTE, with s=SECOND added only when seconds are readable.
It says h=11 m=50 s=24
